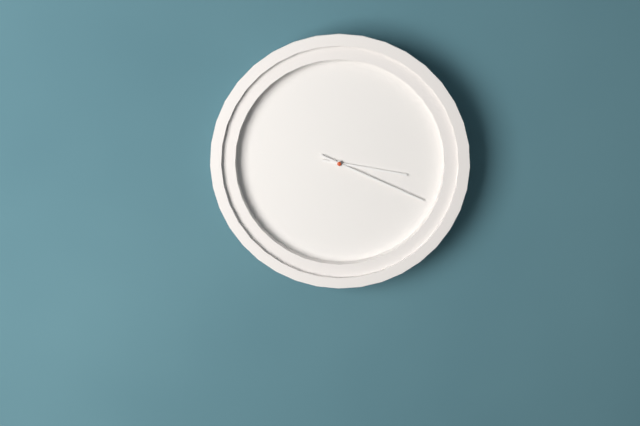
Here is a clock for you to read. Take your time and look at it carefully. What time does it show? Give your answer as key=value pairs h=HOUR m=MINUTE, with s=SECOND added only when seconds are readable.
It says h=3 m=19
